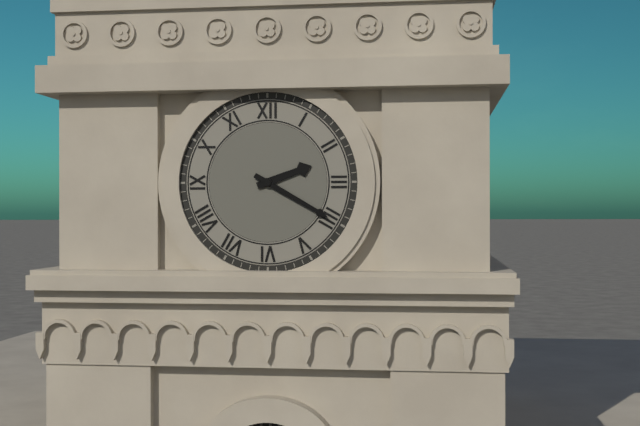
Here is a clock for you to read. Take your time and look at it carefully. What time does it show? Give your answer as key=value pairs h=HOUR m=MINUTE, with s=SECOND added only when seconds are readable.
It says h=2 m=20
